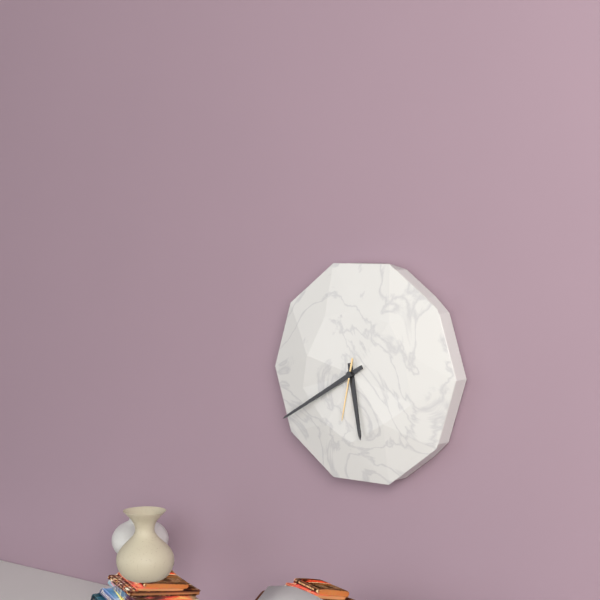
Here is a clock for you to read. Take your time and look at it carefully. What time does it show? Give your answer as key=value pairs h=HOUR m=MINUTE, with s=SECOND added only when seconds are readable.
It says h=5 m=40 s=32
